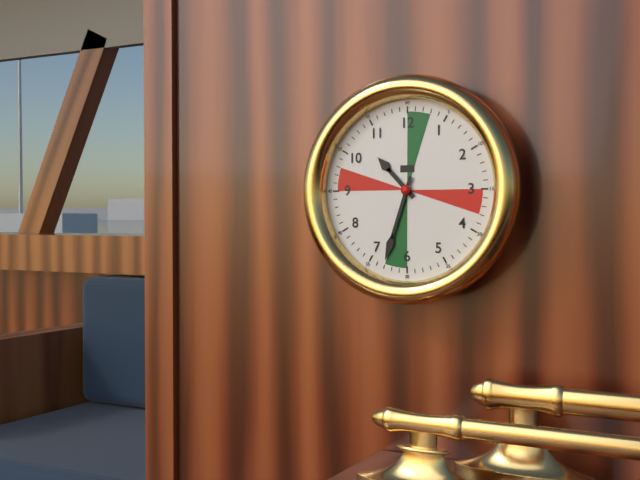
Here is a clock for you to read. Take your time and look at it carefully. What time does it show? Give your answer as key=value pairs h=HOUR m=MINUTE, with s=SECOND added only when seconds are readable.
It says h=10 m=33
